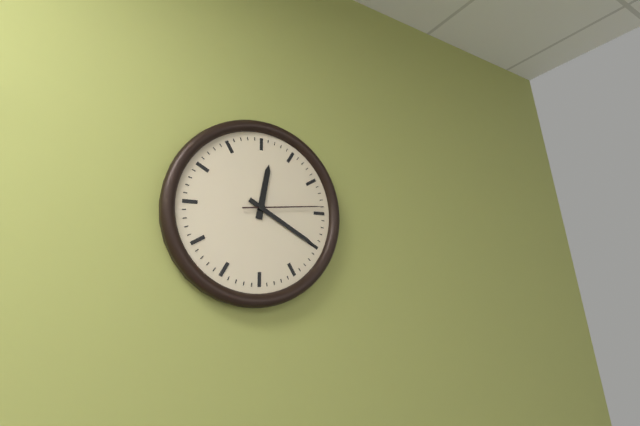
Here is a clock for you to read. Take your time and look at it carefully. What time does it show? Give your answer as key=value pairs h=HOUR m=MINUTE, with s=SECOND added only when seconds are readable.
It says h=12 m=20 s=14
